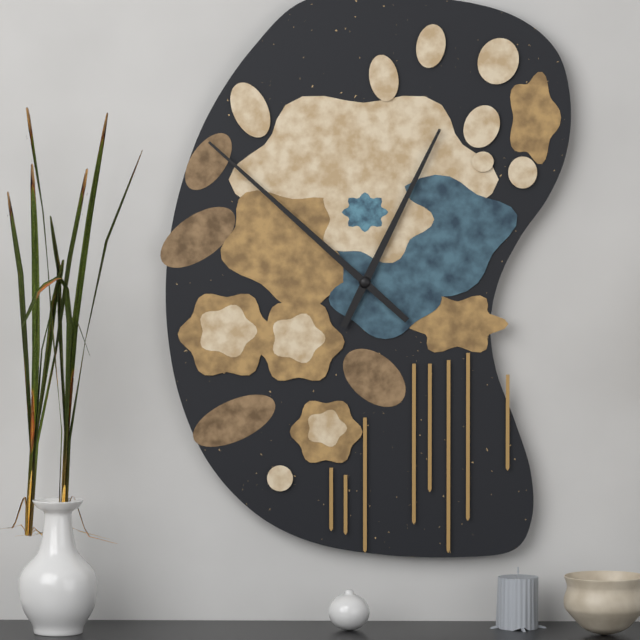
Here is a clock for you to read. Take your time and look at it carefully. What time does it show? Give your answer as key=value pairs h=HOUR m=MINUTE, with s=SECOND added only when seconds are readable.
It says h=12 m=52
